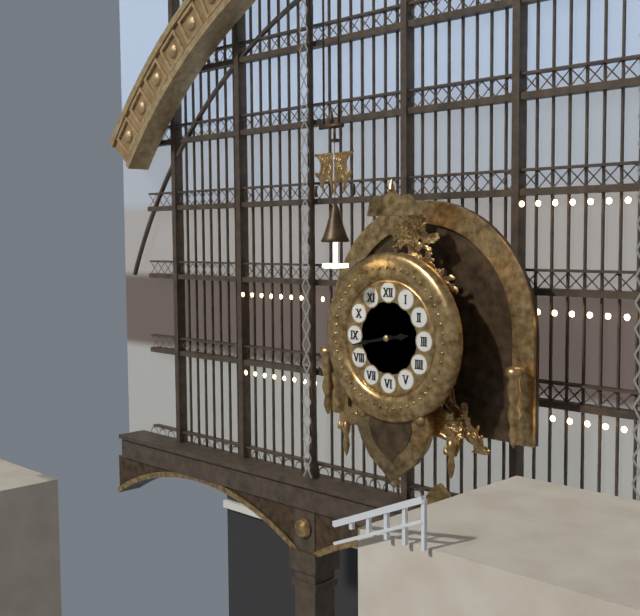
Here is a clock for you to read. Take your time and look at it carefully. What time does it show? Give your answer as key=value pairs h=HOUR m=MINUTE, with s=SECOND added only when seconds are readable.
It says h=2 m=43
